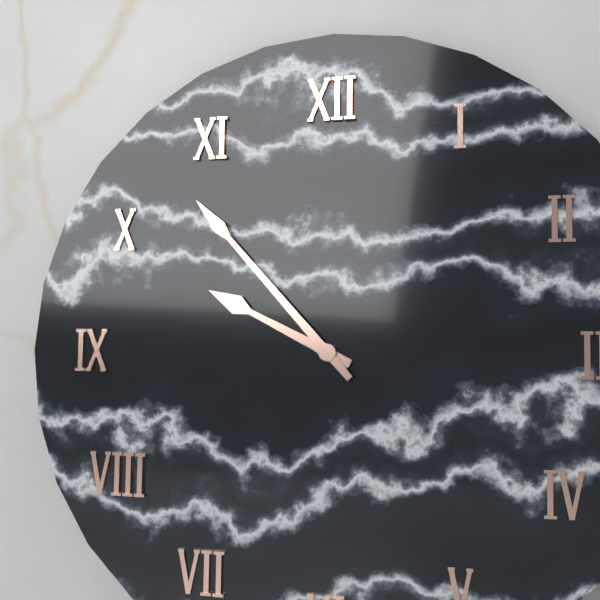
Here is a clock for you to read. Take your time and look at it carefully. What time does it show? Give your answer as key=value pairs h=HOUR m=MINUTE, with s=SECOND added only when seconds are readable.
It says h=9 m=53
